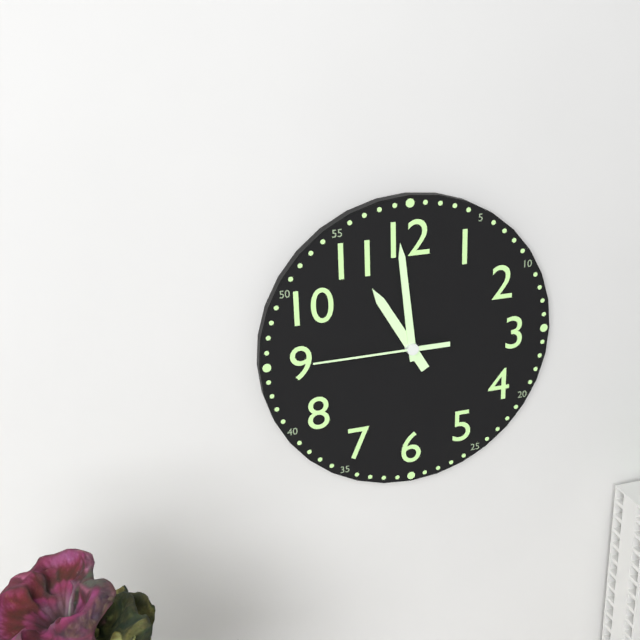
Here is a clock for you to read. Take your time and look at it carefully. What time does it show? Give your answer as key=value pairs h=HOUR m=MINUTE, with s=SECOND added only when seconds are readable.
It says h=10 m=59 s=45
